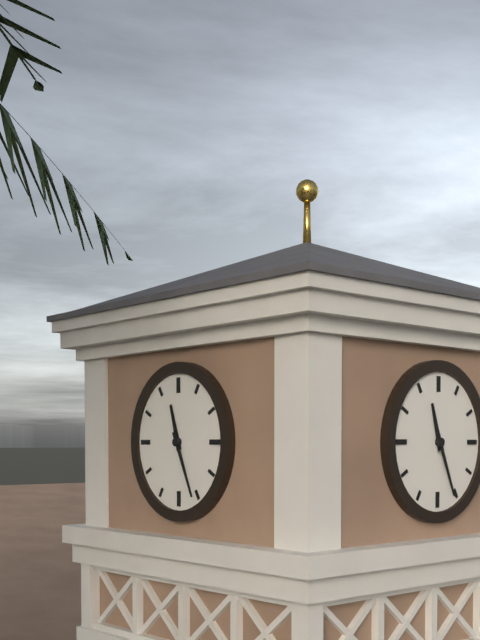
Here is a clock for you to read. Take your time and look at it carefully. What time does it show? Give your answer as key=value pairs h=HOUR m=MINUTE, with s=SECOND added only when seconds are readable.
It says h=11 m=26
